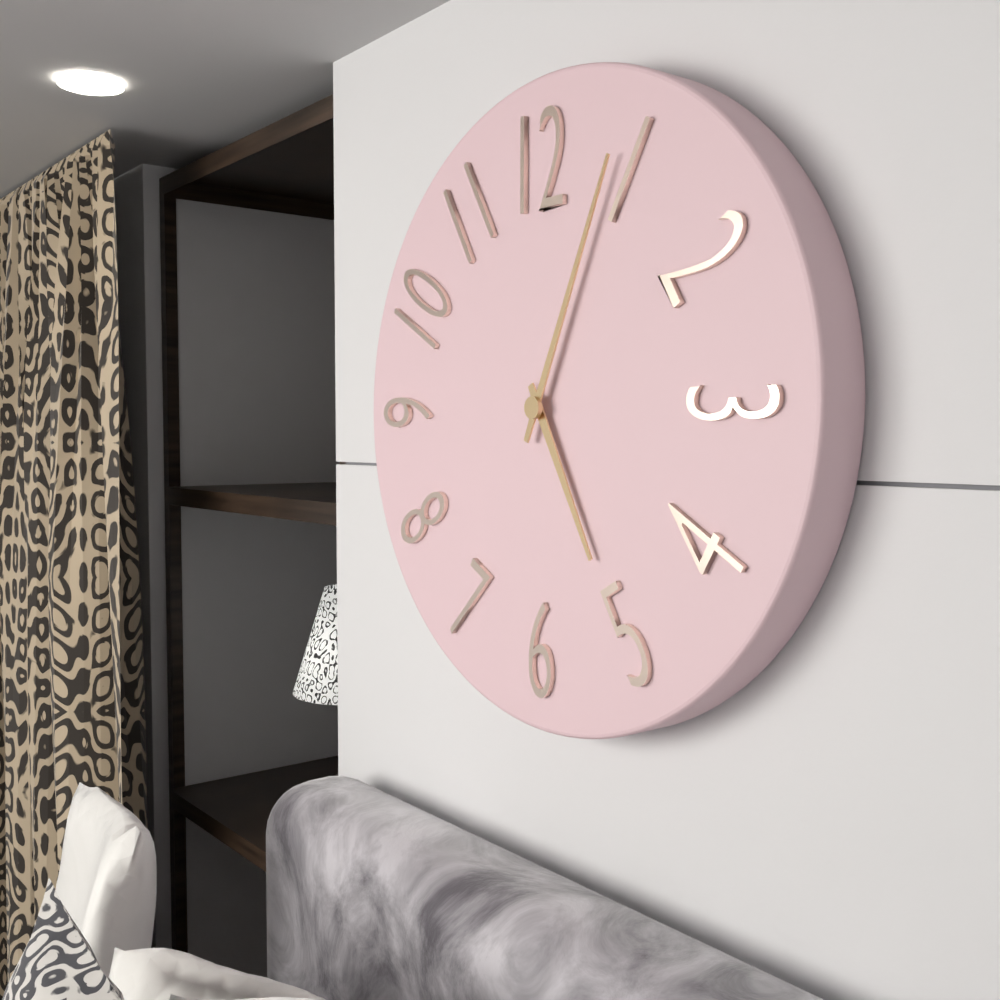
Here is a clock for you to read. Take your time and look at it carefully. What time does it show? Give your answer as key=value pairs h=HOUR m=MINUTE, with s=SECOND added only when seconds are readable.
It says h=5 m=4
